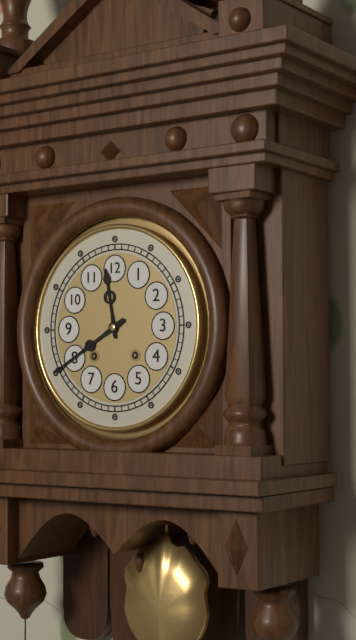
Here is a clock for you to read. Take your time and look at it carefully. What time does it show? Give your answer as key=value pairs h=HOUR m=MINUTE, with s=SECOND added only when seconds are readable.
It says h=11 m=40
